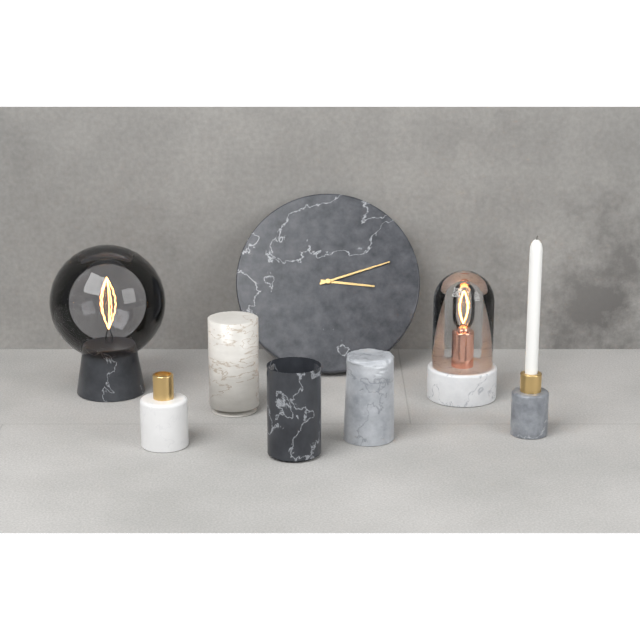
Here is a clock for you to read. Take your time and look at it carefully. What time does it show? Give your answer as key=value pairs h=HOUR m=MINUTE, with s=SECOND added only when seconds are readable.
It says h=3 m=12
